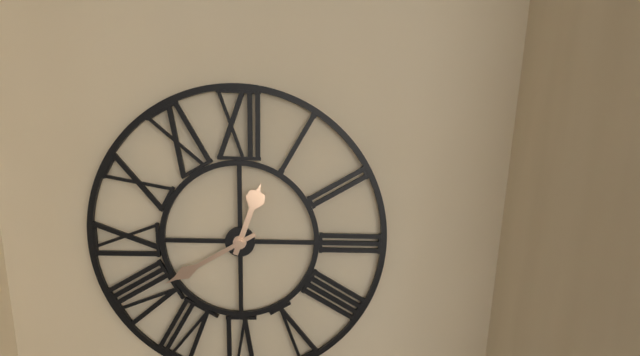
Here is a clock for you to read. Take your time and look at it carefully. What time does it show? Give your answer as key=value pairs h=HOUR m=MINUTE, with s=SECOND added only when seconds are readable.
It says h=12 m=40
